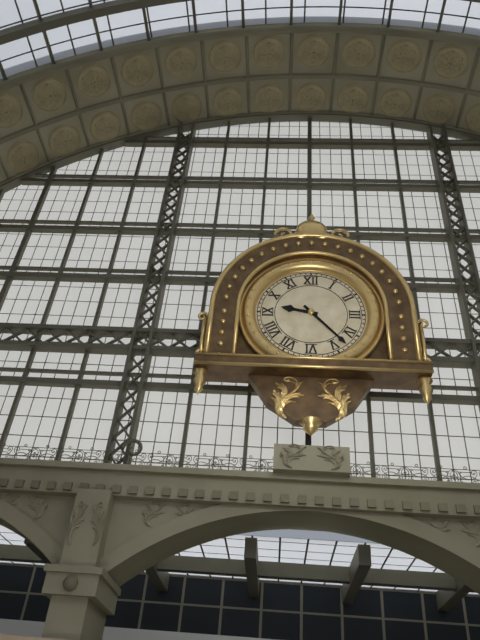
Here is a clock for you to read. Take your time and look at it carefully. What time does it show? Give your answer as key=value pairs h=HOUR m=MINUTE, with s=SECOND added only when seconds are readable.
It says h=9 m=23
